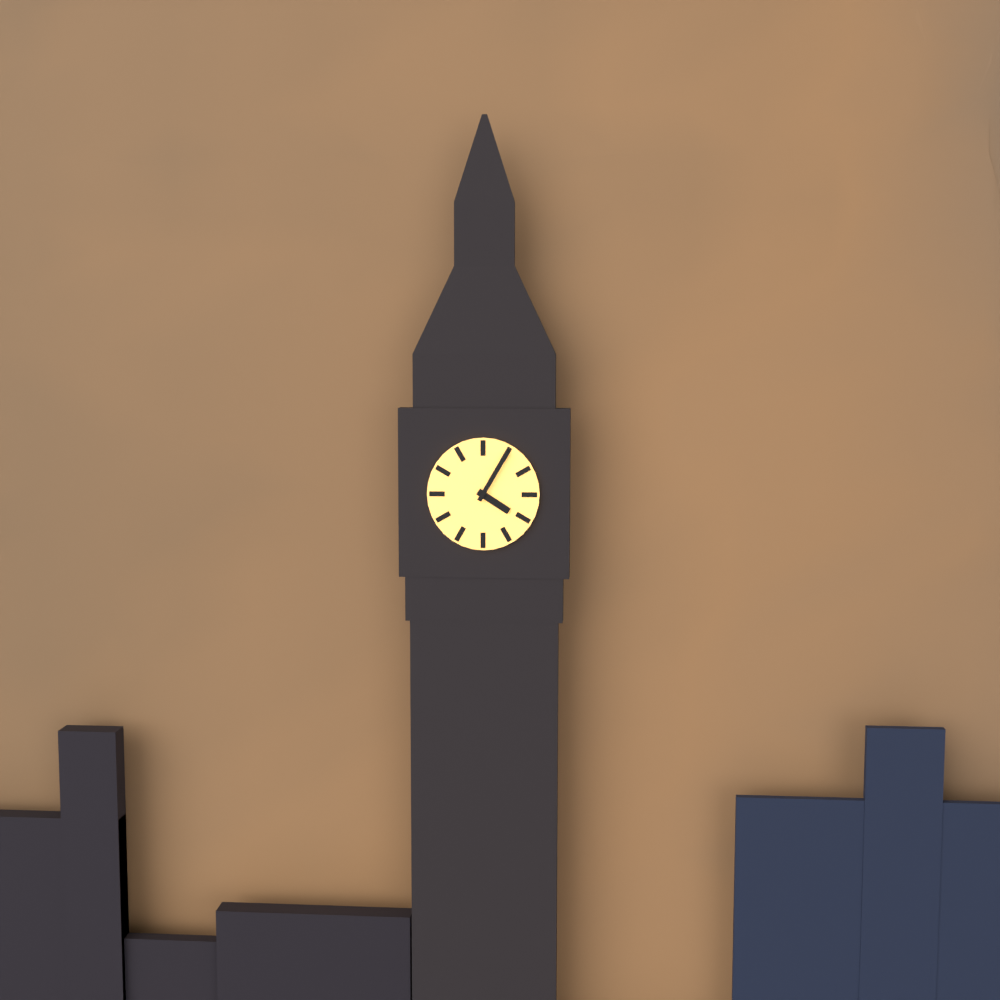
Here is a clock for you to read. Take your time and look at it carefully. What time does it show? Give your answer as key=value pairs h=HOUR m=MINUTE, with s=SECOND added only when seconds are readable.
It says h=4 m=5
